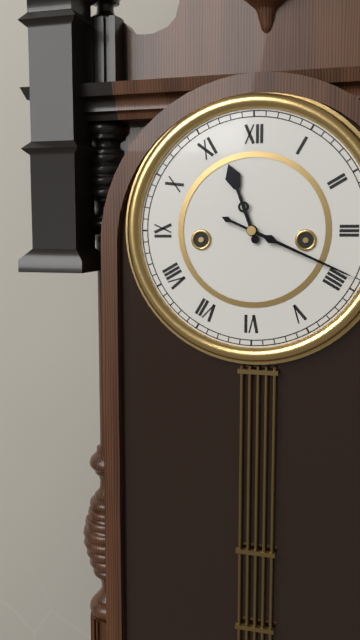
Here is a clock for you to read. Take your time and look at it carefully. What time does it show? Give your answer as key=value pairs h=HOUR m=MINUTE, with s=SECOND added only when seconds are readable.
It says h=11 m=19
